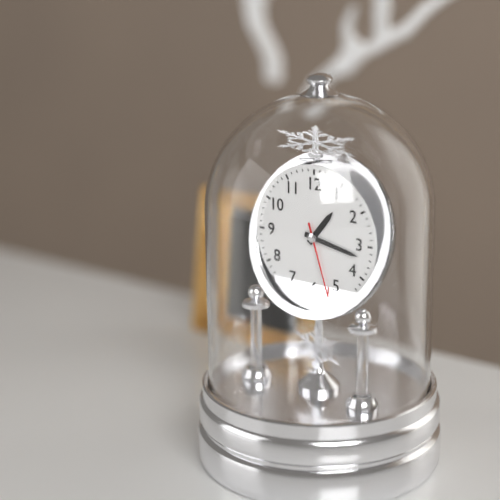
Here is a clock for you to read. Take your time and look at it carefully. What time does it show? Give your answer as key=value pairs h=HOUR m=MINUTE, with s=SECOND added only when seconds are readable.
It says h=1 m=17 s=27
